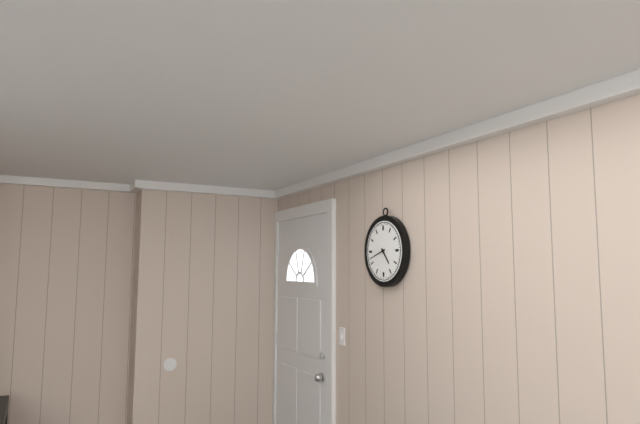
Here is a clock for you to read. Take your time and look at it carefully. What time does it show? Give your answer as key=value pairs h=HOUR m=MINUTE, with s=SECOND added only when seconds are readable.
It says h=4 m=42
